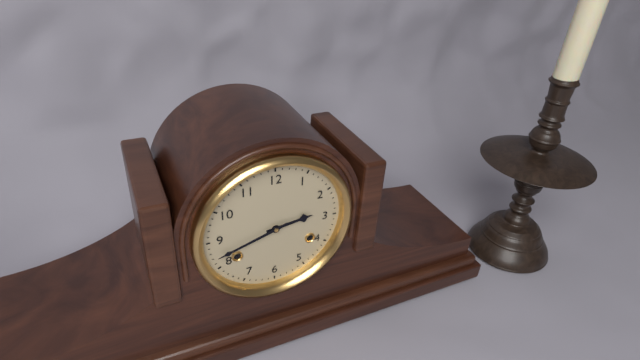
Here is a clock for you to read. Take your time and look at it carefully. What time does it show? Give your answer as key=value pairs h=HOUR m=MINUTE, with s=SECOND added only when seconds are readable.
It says h=2 m=42
